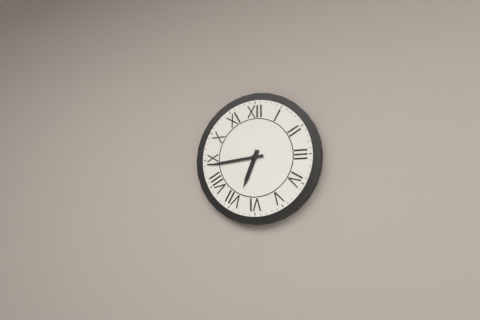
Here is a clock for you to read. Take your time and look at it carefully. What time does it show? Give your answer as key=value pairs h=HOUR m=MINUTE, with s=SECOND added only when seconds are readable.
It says h=6 m=44
